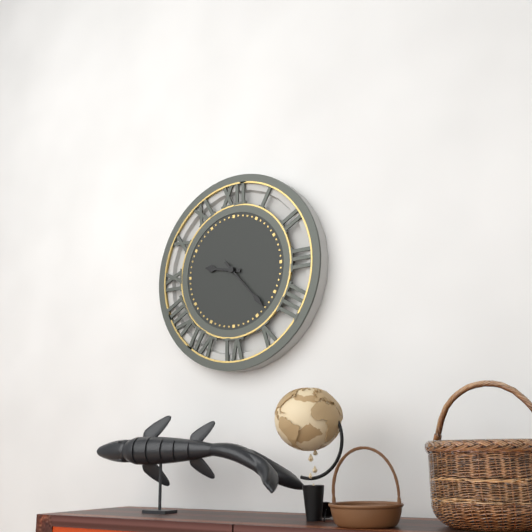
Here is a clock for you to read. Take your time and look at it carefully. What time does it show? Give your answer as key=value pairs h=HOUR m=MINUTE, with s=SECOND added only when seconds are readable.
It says h=9 m=23
